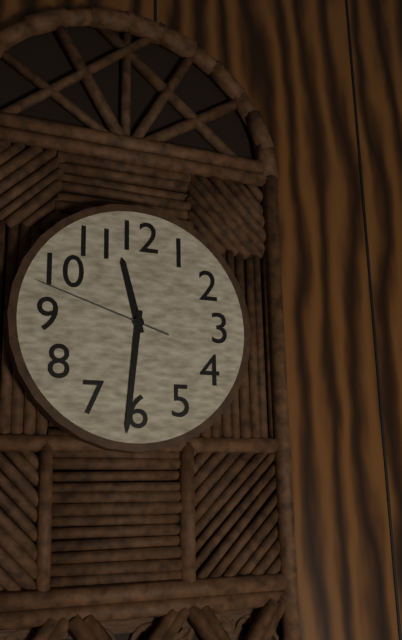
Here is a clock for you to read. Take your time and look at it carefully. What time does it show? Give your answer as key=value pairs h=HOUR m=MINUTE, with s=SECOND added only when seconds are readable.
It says h=11 m=31 s=48
